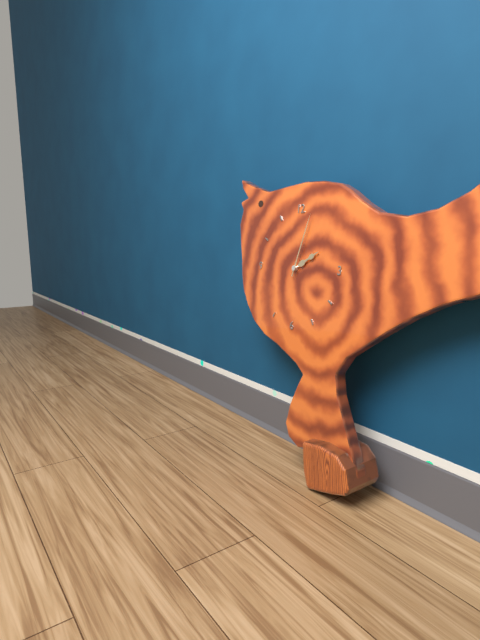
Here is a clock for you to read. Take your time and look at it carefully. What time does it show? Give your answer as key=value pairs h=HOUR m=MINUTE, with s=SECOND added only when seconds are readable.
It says h=2 m=3
